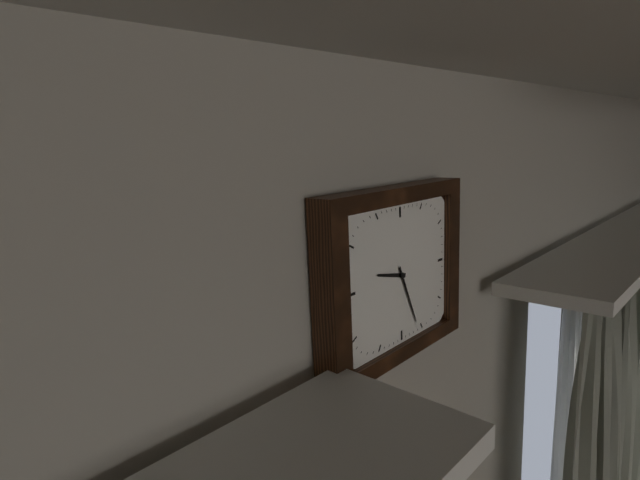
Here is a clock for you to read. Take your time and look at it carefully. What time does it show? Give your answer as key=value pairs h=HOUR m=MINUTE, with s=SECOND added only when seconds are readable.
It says h=9 m=26
